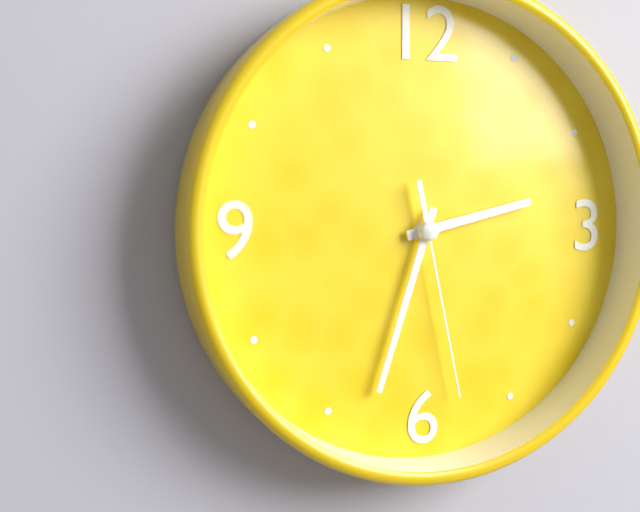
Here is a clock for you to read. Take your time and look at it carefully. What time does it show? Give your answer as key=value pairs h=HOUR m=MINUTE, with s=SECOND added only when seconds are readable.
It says h=2 m=33 s=28
